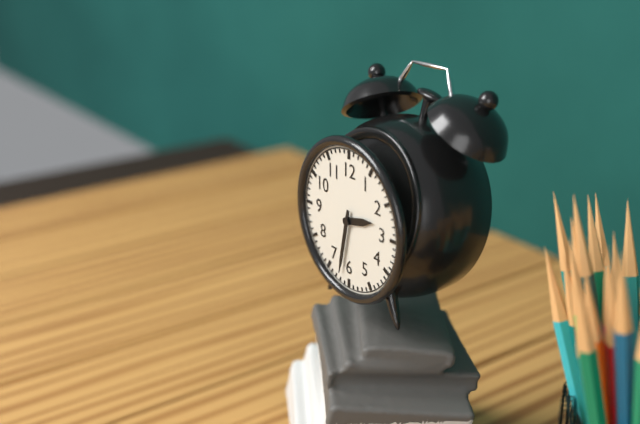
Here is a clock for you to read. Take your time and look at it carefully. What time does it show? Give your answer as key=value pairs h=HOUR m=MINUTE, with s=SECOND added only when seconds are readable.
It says h=2 m=32
